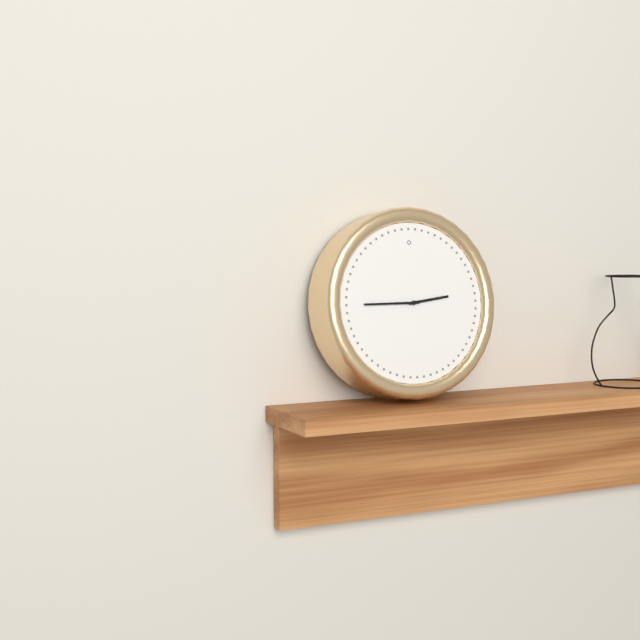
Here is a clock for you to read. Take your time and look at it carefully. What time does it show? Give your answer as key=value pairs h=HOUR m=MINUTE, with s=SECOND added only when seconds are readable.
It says h=2 m=45
